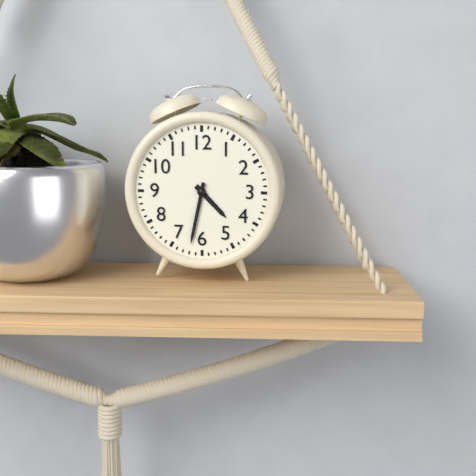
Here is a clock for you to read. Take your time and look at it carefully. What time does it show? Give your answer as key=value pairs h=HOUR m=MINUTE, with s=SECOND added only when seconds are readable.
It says h=4 m=32
